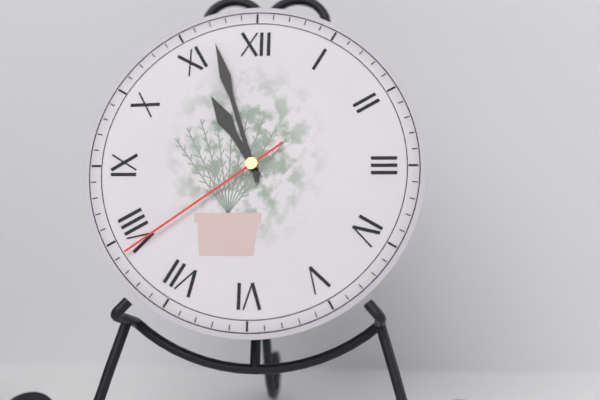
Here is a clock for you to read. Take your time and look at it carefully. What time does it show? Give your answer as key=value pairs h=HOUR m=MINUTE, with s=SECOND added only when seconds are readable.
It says h=10 m=57 s=39
